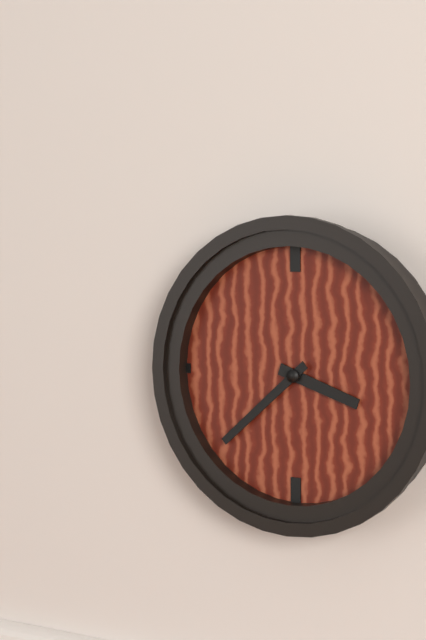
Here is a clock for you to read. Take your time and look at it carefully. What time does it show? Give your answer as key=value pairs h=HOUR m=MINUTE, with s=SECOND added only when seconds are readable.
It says h=3 m=38
